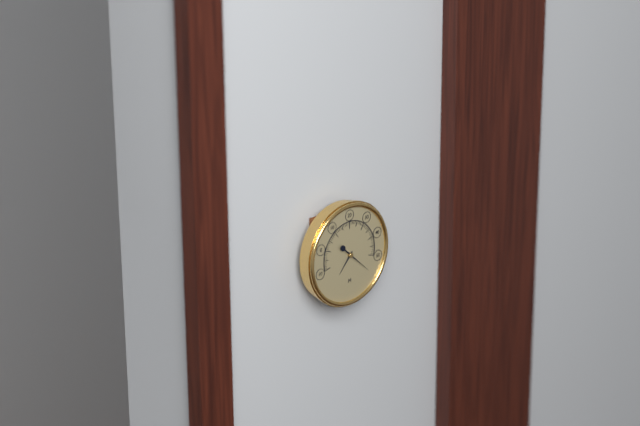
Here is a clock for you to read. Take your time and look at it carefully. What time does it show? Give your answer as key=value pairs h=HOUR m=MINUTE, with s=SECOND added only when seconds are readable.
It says h=7 m=22
